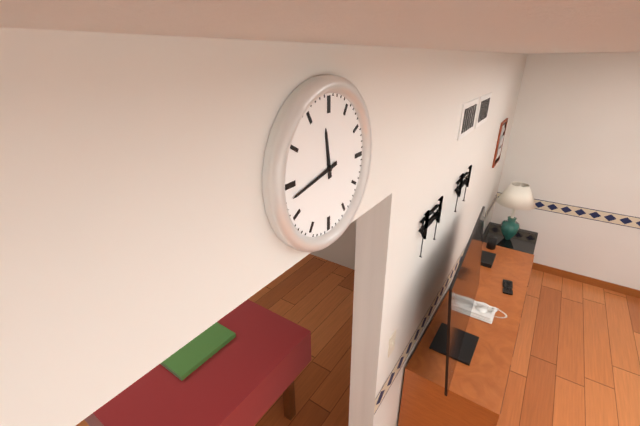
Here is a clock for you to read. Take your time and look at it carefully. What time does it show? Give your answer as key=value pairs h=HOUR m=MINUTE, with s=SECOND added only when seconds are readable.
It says h=11 m=43
